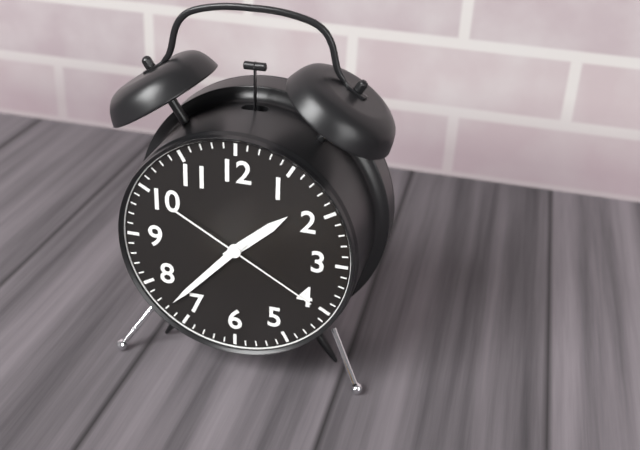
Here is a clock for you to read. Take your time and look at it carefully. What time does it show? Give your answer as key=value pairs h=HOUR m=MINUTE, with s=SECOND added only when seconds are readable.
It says h=1 m=37 s=20
